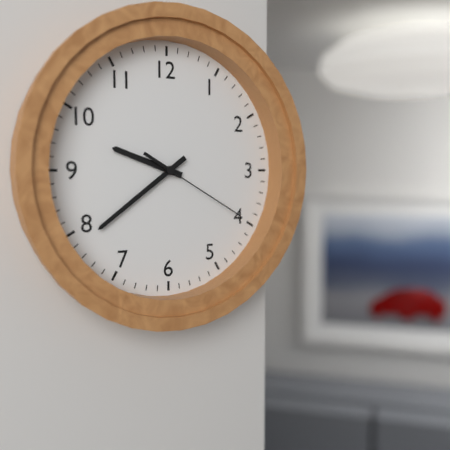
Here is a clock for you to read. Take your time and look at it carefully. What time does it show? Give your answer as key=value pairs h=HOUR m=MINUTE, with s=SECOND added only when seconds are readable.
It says h=9 m=39 s=20
